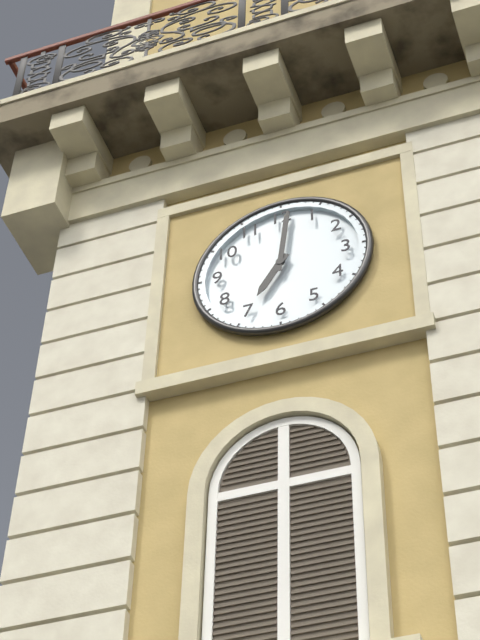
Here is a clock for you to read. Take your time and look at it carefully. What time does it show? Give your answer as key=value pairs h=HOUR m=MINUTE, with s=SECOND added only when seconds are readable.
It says h=7 m=1
